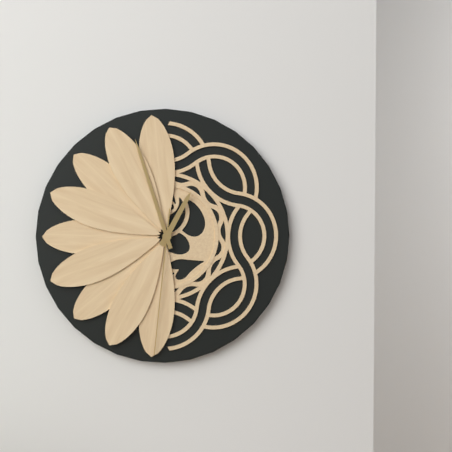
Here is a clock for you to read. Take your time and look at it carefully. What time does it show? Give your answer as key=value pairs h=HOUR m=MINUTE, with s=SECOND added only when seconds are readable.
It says h=12 m=57 s=31
